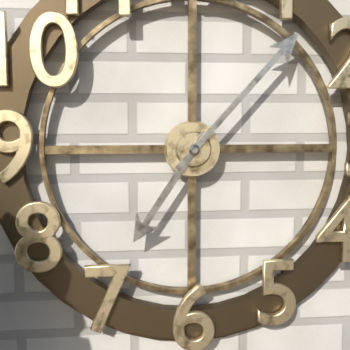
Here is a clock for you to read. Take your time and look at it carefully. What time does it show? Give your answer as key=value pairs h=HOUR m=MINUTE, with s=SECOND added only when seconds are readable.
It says h=7 m=7
